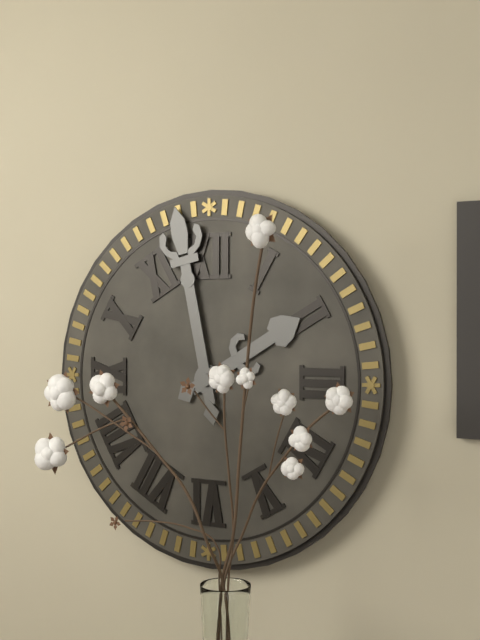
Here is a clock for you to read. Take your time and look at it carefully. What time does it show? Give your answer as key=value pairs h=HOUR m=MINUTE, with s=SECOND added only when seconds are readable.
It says h=1 m=58
